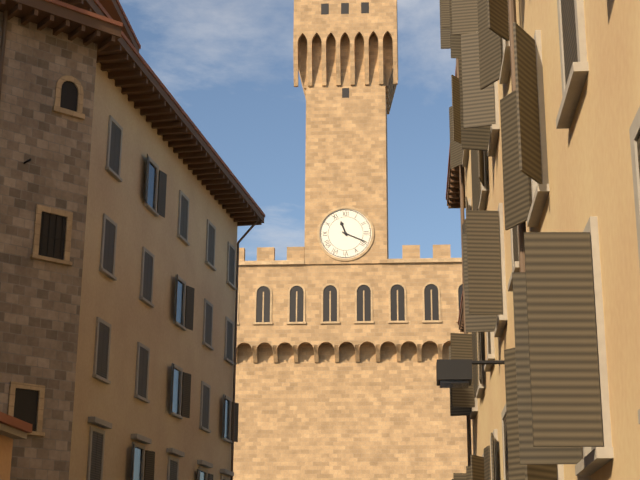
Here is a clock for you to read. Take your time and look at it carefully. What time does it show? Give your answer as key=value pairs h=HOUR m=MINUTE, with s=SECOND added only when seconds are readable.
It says h=11 m=19
